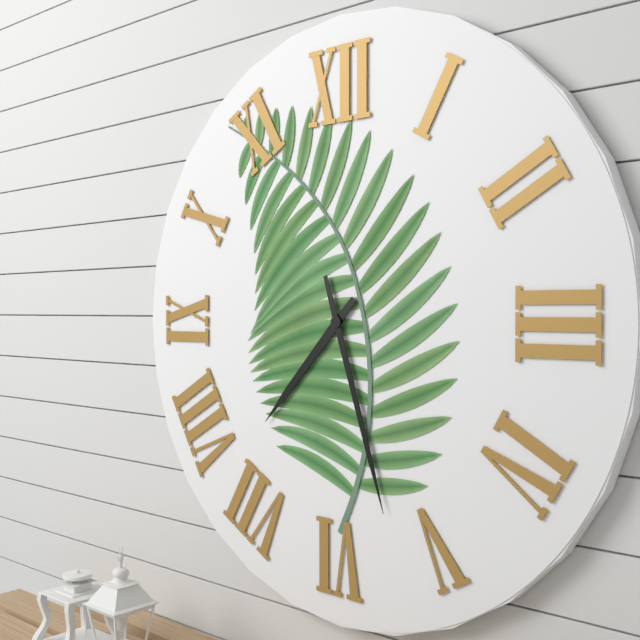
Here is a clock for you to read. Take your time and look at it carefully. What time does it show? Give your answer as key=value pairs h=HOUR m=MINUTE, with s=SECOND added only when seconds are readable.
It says h=7 m=27
